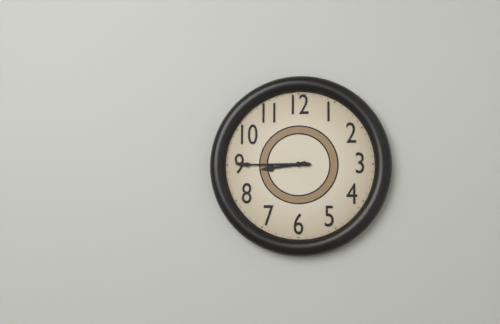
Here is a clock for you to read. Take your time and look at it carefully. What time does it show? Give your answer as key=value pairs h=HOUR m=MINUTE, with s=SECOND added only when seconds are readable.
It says h=8 m=45
